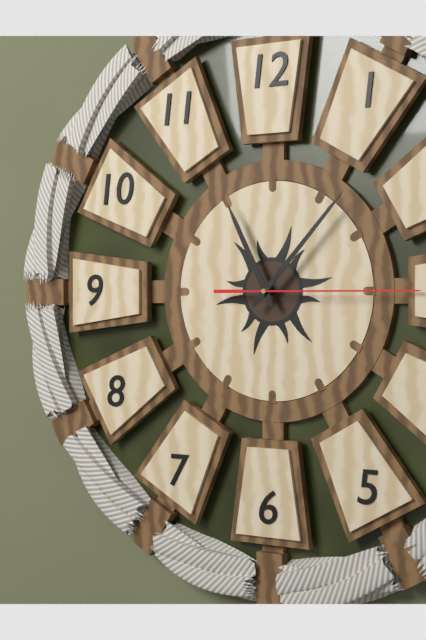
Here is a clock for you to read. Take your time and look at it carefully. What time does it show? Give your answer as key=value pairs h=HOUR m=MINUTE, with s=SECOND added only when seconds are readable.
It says h=11 m=7 s=15
